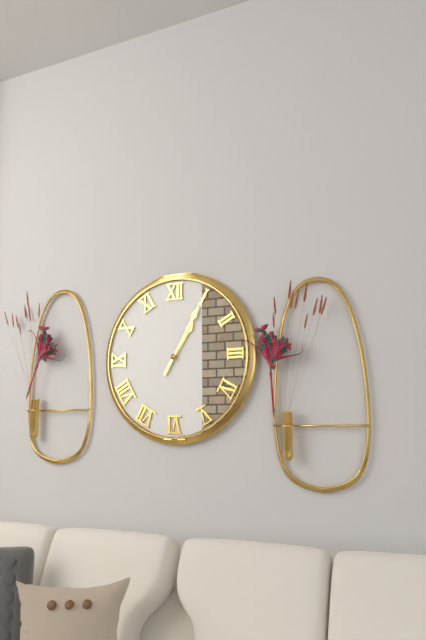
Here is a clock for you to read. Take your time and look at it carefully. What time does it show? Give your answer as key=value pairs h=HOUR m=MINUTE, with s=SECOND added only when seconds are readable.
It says h=1 m=5
